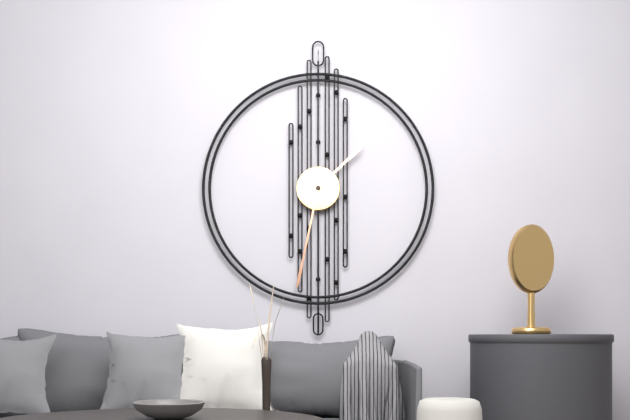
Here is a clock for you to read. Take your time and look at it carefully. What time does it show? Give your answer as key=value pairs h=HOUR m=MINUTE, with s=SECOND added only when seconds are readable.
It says h=1 m=32
